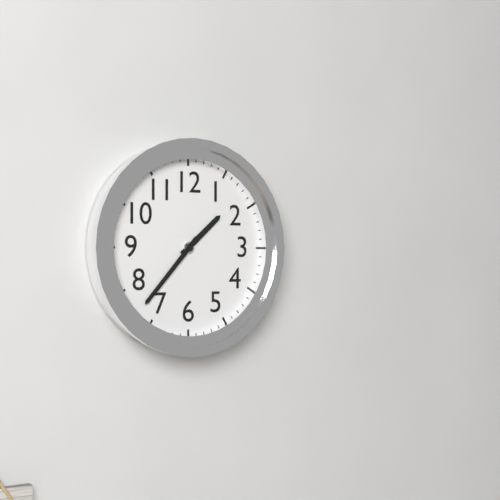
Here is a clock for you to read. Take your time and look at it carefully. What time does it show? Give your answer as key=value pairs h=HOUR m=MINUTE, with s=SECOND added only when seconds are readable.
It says h=1 m=37
